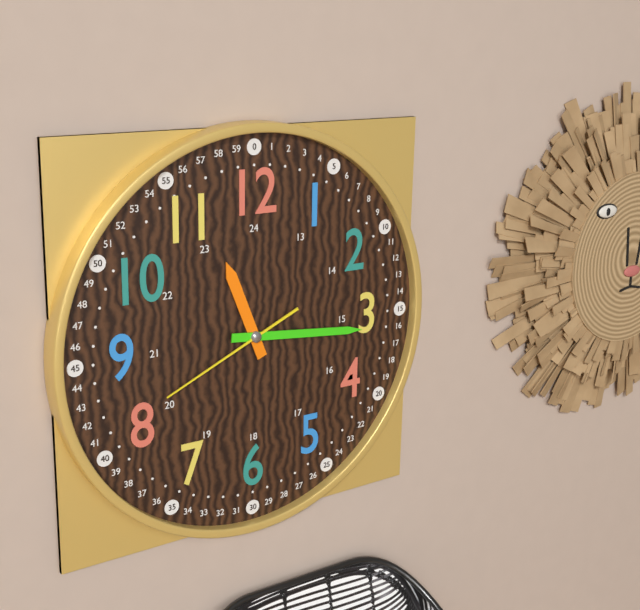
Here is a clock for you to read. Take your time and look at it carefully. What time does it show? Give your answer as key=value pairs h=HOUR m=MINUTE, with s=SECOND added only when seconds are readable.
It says h=11 m=16 s=41
